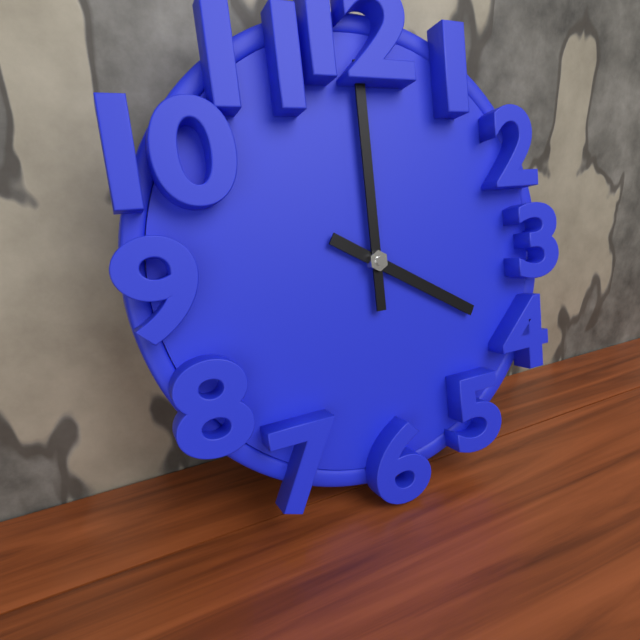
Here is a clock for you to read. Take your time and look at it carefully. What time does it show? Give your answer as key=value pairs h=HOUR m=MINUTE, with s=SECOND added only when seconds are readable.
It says h=4 m=0
